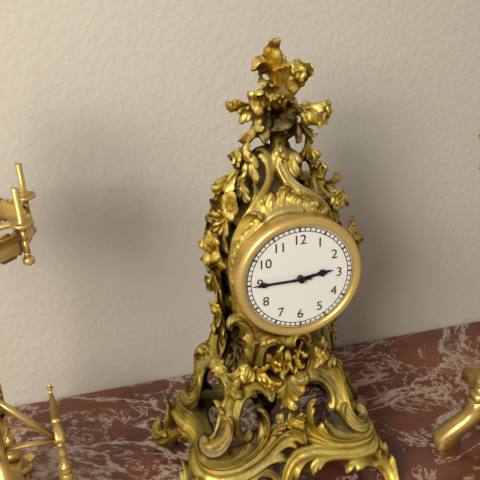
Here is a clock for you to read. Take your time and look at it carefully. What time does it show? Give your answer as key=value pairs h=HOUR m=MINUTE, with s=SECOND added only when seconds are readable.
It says h=2 m=45
